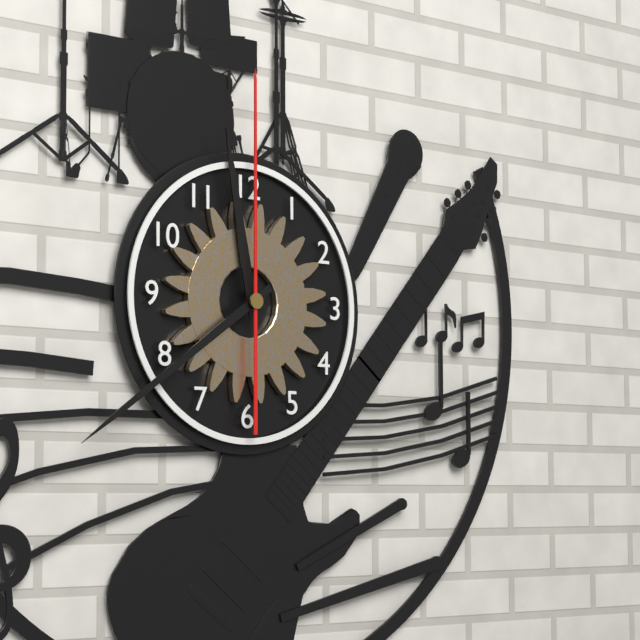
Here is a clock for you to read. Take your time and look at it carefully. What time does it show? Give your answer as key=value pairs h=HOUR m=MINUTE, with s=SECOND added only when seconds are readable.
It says h=11 m=39 s=0
